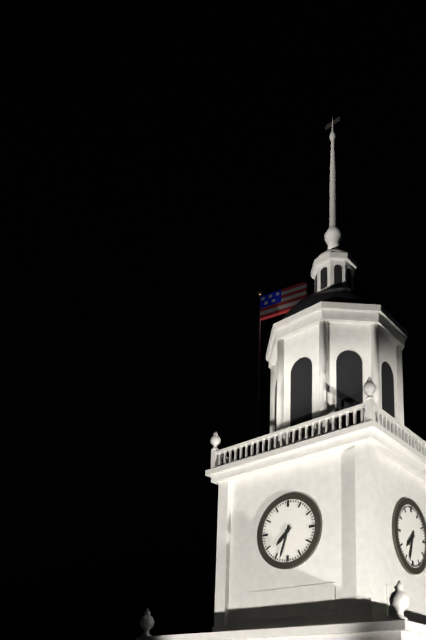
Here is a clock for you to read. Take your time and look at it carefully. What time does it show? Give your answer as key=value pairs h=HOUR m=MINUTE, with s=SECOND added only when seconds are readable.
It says h=7 m=33
